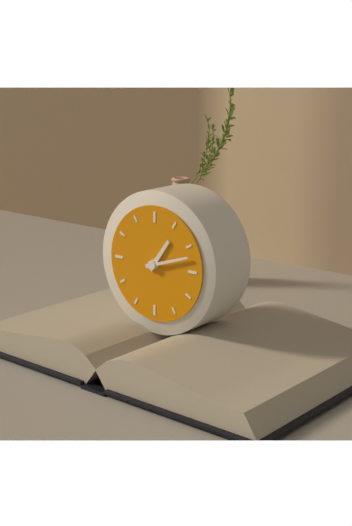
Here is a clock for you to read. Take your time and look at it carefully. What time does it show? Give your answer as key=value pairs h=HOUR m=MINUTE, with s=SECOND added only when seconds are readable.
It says h=1 m=12
